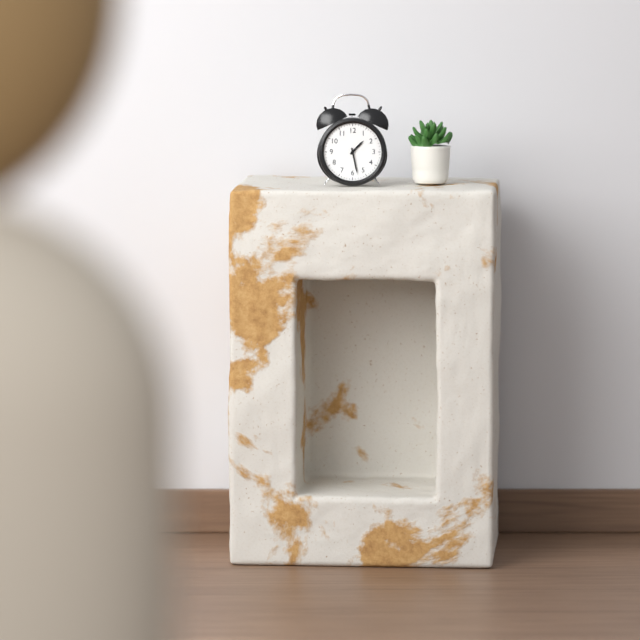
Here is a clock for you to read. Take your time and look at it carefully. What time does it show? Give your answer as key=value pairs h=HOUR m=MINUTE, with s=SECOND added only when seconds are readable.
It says h=1 m=28
